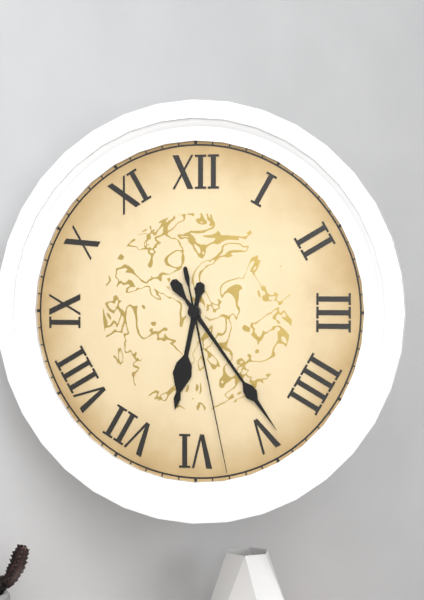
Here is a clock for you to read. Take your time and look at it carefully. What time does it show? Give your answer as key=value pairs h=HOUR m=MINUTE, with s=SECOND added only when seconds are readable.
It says h=6 m=24 s=28
